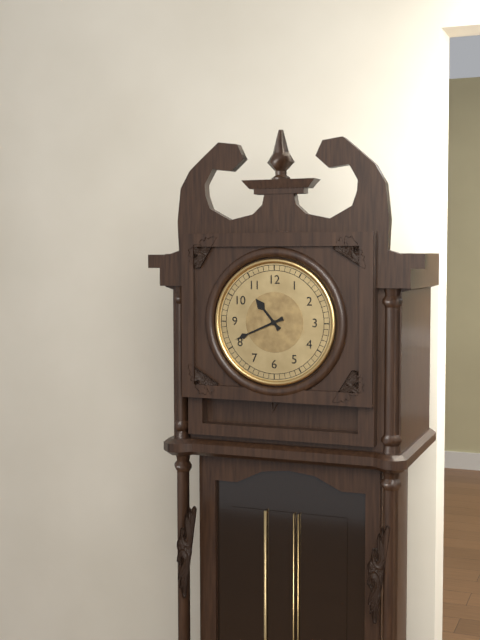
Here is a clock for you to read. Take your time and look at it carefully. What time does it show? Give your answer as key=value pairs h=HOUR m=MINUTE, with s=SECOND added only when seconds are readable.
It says h=10 m=41
